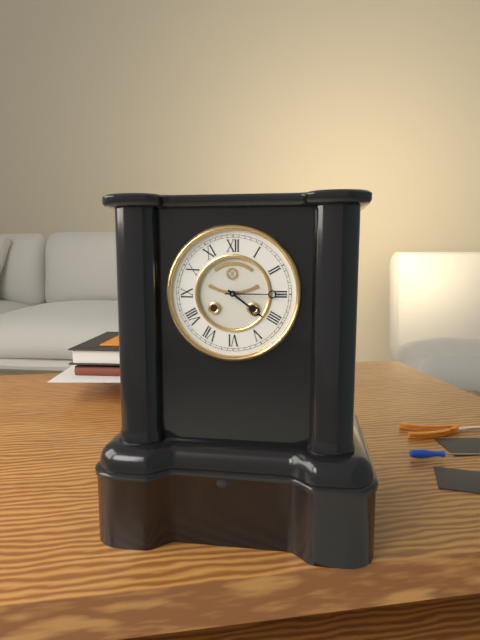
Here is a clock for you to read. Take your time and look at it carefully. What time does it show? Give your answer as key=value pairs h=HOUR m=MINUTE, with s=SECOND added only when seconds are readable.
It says h=4 m=15
